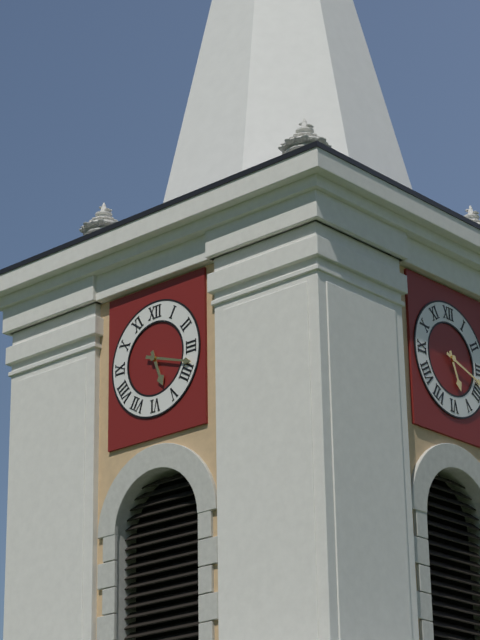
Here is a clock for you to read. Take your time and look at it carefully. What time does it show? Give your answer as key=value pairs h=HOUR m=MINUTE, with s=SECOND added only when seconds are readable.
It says h=5 m=18
